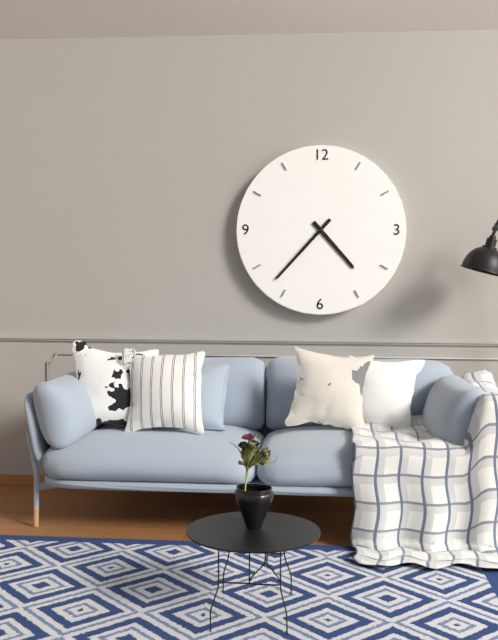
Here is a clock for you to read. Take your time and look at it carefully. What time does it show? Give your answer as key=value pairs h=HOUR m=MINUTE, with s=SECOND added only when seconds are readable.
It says h=4 m=37
